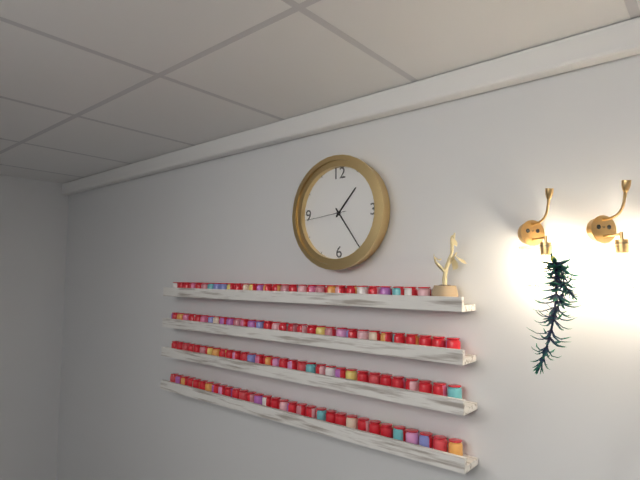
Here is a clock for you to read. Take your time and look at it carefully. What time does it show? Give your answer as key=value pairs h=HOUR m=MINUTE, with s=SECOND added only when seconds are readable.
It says h=1 m=24
